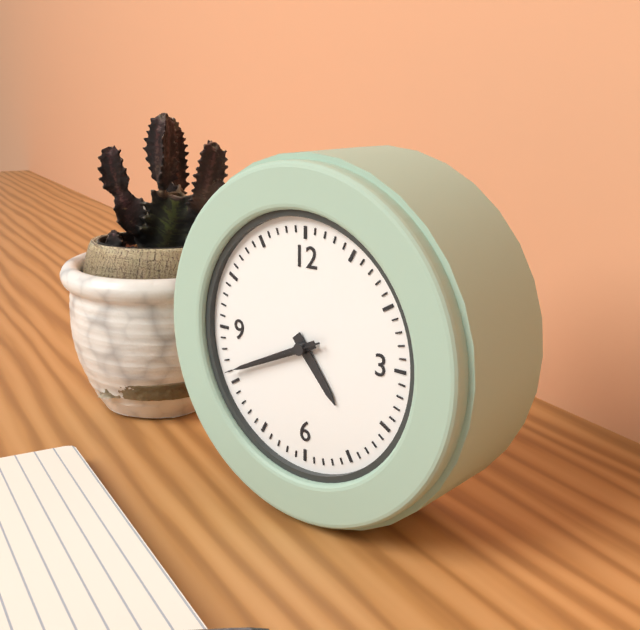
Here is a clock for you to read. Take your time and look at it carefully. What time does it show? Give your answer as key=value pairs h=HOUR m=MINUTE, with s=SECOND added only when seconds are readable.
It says h=4 m=41 s=41
